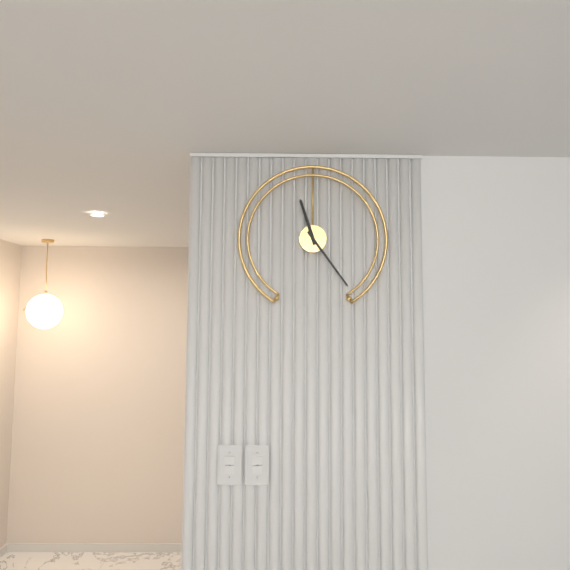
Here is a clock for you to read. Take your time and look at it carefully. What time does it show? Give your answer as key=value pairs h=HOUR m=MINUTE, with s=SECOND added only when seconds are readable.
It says h=11 m=24
